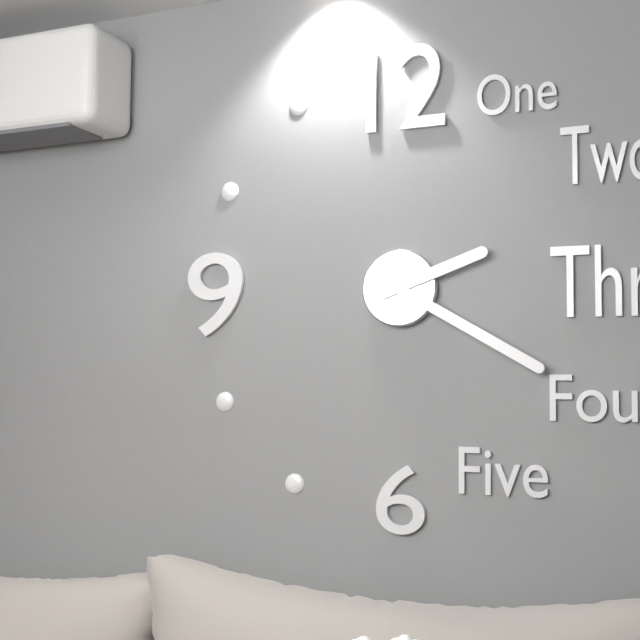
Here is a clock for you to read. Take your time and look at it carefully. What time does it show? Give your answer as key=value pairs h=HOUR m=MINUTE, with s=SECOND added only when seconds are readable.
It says h=2 m=20
